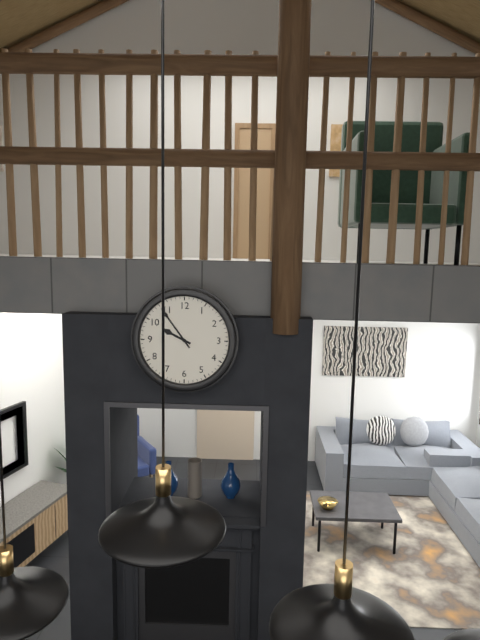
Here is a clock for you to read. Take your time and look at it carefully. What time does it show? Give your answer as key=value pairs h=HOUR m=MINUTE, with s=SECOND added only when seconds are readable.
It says h=9 m=54
